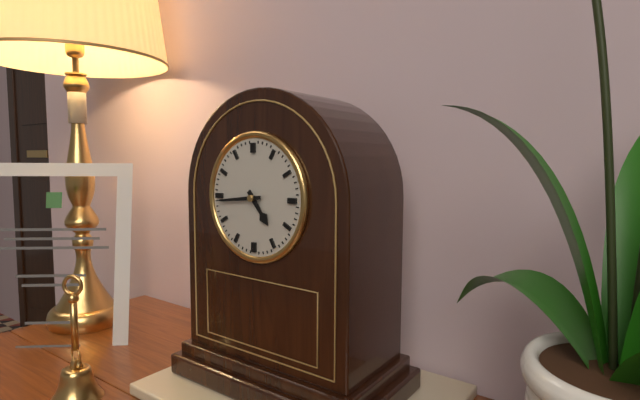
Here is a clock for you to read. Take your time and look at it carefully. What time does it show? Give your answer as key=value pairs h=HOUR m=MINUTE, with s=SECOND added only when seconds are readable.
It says h=4 m=44
